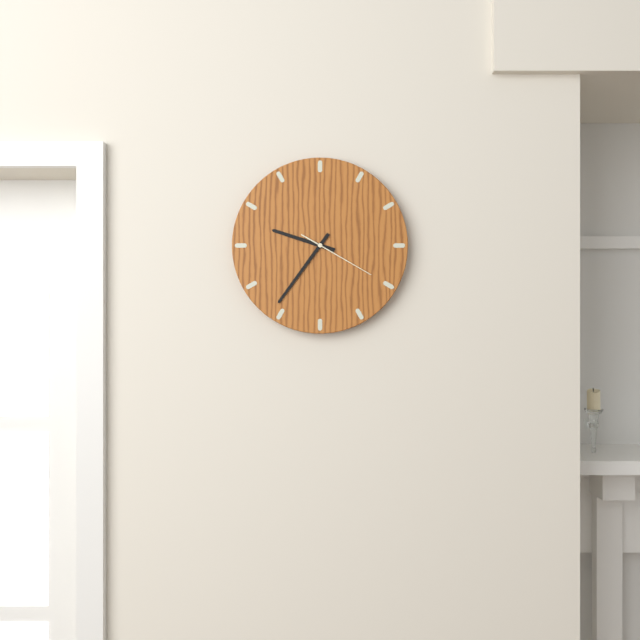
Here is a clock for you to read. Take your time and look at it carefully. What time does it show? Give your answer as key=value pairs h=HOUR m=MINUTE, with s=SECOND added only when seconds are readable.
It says h=9 m=36 s=20
